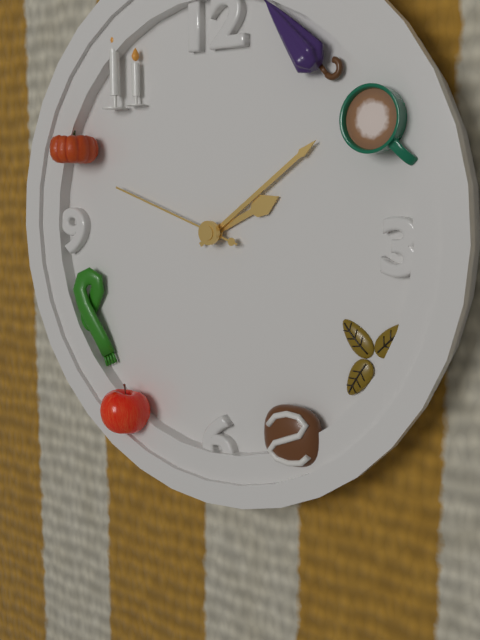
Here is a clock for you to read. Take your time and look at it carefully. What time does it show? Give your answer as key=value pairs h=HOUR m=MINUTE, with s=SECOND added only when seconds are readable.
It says h=2 m=9 s=48
